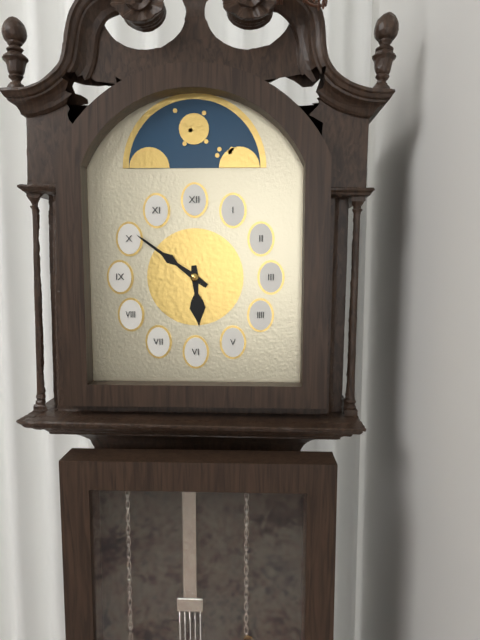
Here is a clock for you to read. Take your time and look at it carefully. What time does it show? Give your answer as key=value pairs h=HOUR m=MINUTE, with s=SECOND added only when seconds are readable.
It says h=5 m=51
